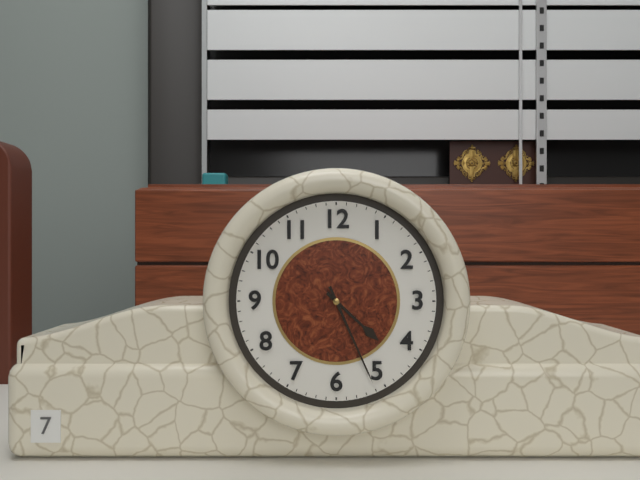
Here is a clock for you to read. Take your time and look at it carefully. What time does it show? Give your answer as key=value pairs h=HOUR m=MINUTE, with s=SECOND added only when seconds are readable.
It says h=4 m=26
